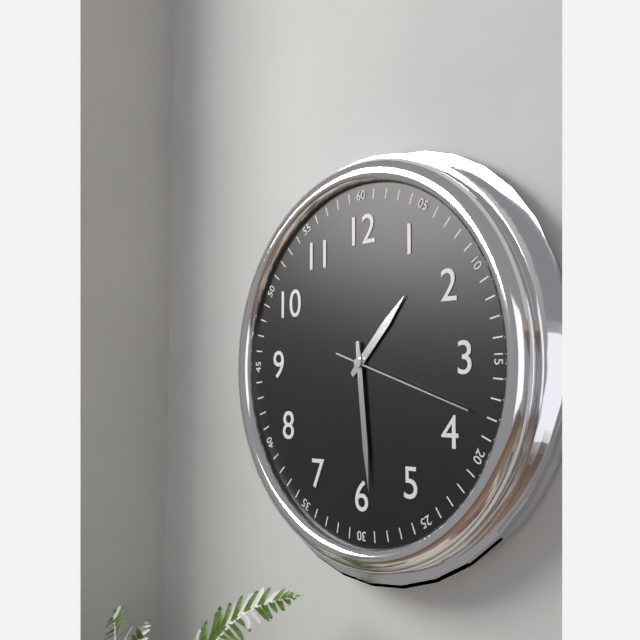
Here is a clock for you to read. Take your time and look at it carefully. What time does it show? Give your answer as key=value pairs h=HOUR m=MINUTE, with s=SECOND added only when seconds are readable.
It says h=1 m=29 s=18
